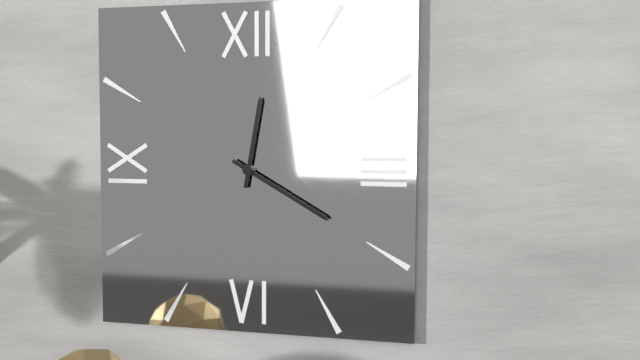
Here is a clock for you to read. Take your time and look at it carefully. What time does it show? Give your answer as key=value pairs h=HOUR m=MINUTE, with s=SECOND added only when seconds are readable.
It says h=12 m=20
